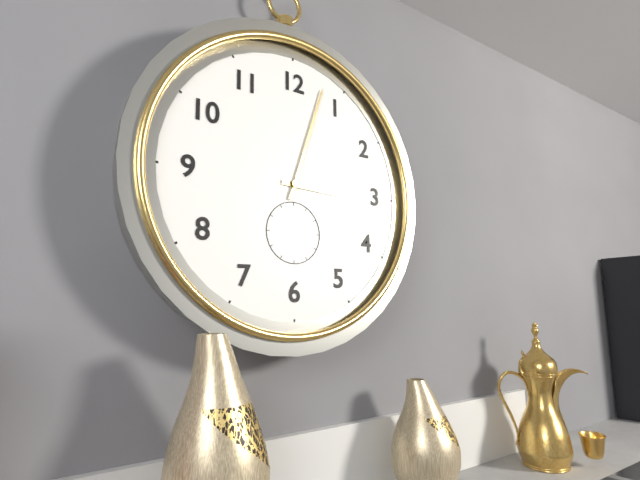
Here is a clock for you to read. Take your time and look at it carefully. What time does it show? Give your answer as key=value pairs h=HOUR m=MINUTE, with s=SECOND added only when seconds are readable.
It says h=3 m=3
